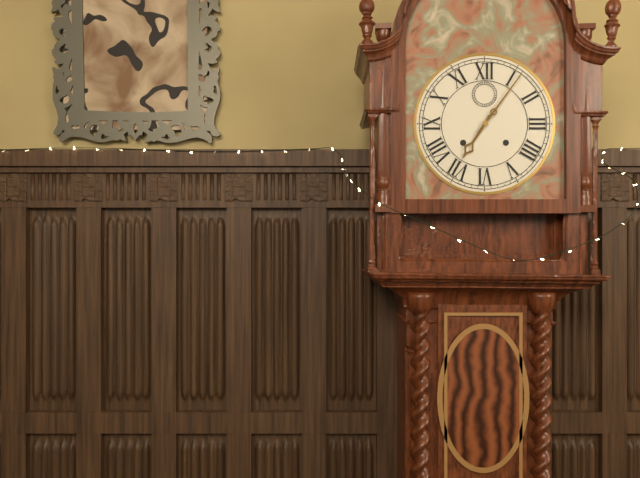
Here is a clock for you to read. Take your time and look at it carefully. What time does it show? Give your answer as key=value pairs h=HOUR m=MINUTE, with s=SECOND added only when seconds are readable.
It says h=7 m=6
